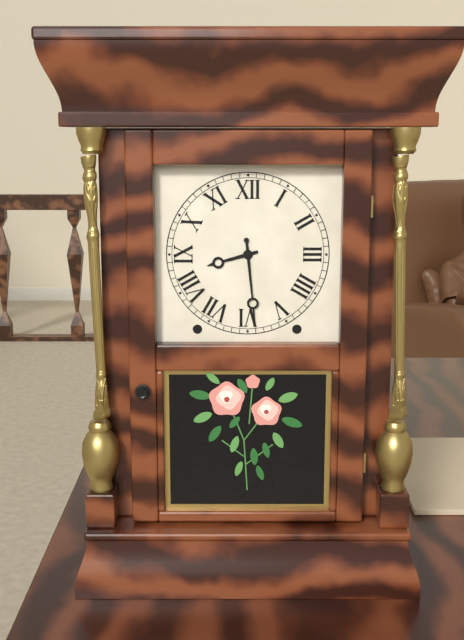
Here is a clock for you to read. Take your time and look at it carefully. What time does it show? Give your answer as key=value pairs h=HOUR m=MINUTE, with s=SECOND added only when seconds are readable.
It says h=8 m=29
